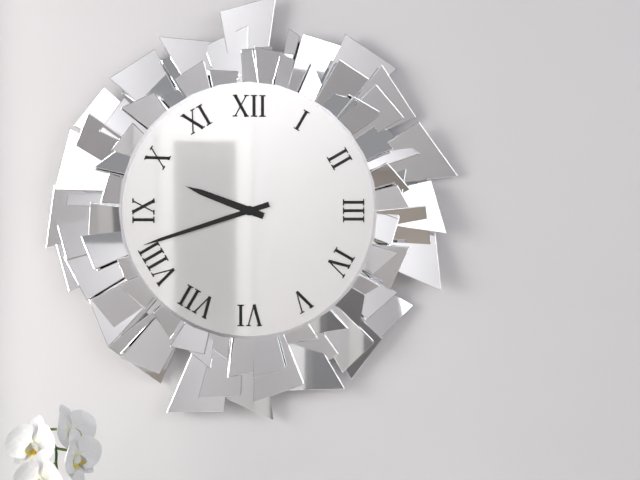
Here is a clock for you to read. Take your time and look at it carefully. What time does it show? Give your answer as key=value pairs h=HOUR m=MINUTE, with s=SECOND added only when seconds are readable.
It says h=9 m=42
